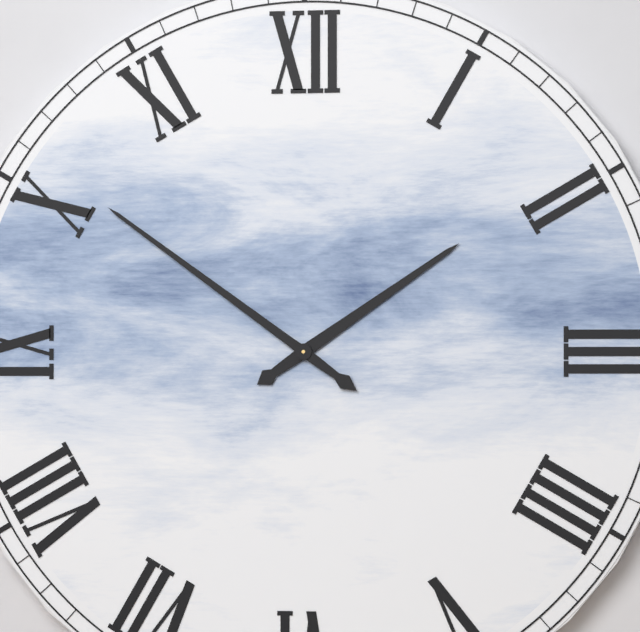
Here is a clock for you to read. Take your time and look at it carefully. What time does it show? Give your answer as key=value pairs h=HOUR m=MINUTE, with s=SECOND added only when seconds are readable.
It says h=1 m=51
